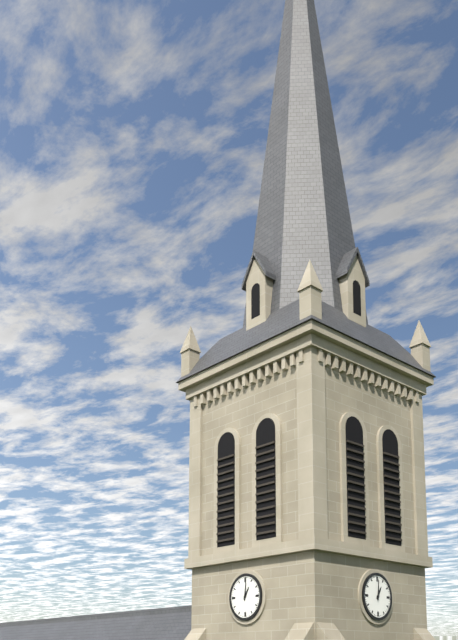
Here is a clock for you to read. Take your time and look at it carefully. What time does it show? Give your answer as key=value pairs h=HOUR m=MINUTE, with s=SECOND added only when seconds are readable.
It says h=1 m=1
